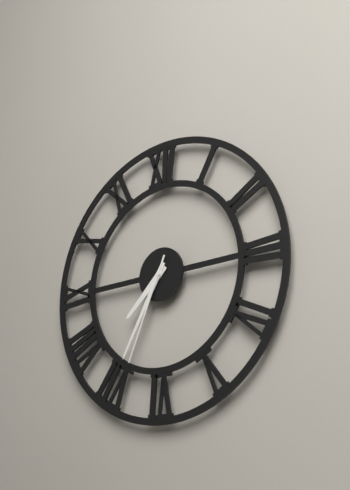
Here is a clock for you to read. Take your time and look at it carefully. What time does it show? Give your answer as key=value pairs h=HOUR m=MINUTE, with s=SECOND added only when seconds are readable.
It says h=7 m=35 s=34
